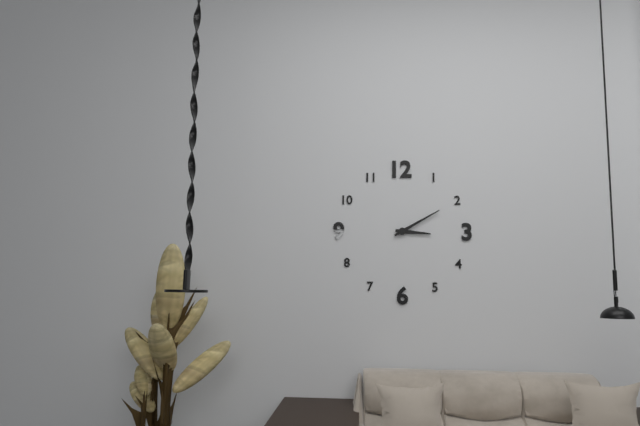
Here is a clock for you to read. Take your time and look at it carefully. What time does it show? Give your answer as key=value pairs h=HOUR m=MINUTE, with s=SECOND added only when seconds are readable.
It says h=3 m=10
